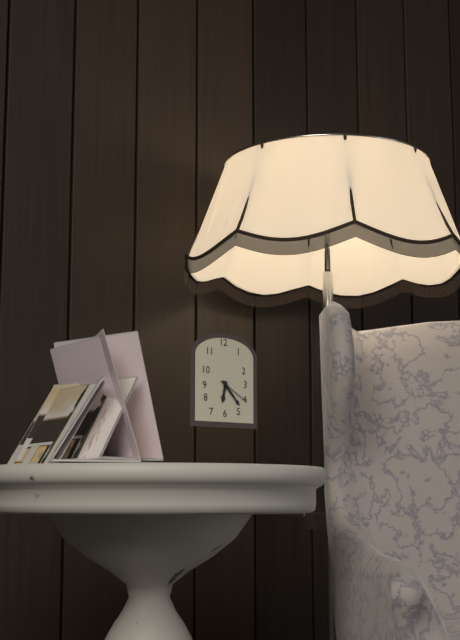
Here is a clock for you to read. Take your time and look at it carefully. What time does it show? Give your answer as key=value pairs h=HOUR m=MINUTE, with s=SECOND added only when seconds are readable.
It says h=6 m=23
